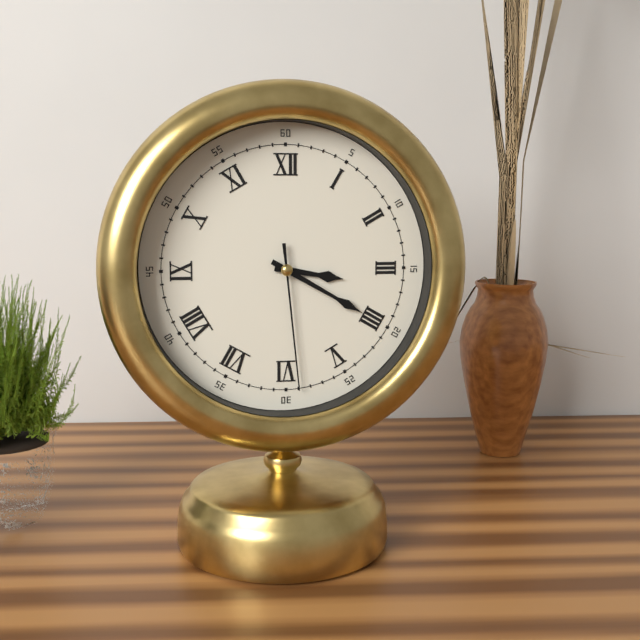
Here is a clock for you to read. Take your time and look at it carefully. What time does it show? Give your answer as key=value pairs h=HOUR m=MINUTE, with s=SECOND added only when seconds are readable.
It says h=3 m=20 s=29
